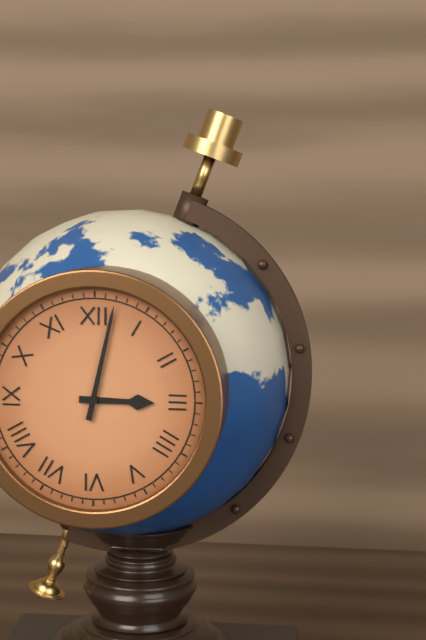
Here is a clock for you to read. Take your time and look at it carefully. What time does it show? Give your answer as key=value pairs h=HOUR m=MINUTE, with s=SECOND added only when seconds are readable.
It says h=3 m=2
